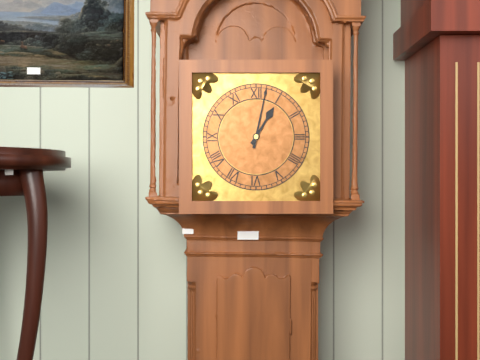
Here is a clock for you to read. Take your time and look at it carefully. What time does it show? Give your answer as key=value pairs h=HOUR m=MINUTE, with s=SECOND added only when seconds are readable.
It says h=1 m=2
